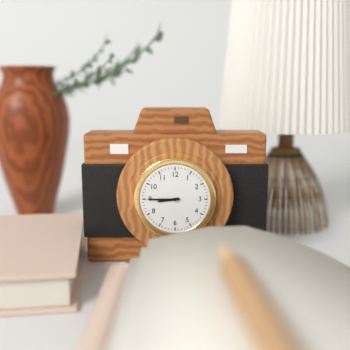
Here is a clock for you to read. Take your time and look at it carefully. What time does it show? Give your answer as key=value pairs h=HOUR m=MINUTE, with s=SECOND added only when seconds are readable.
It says h=8 m=45
